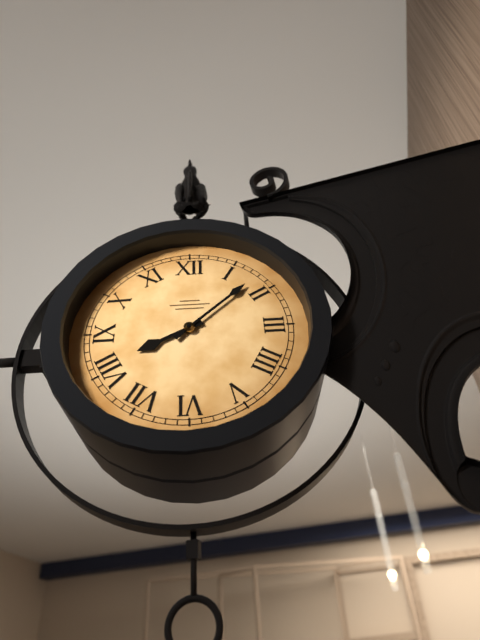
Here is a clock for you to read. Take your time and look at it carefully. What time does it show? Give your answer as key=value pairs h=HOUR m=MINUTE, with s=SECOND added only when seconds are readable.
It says h=8 m=8
